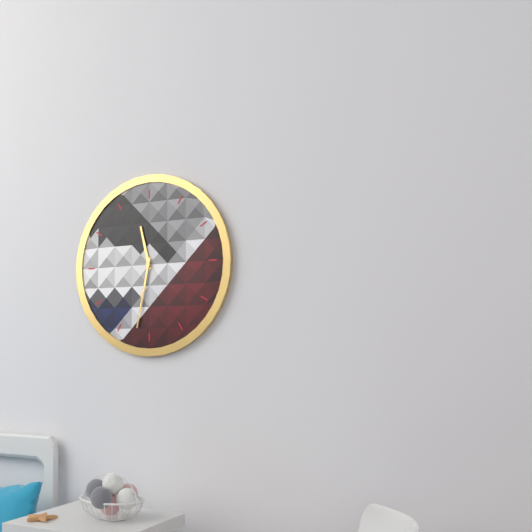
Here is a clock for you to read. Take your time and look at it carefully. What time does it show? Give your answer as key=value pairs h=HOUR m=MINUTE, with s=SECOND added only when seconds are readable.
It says h=11 m=32
